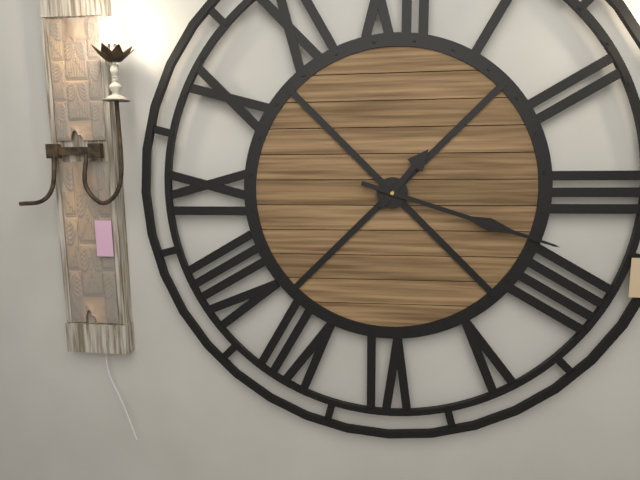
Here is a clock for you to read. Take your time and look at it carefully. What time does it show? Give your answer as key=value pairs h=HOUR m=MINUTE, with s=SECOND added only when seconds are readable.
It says h=1 m=18
